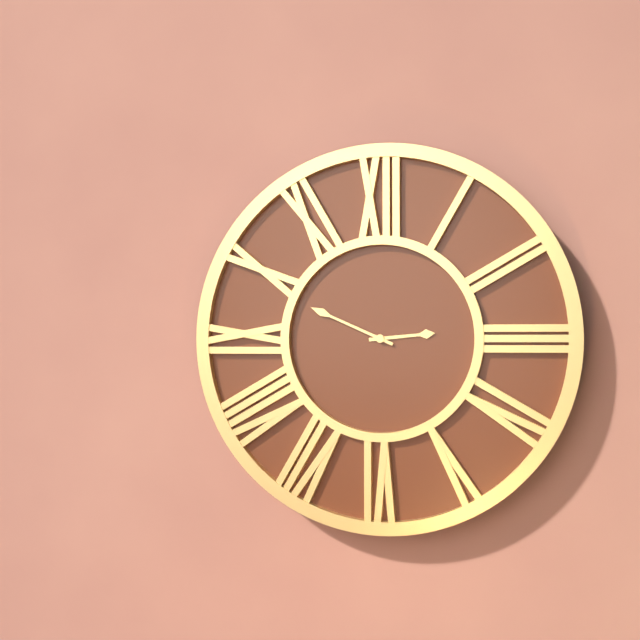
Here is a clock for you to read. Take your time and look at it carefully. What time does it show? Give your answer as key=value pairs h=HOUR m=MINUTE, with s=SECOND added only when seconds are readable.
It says h=2 m=49
